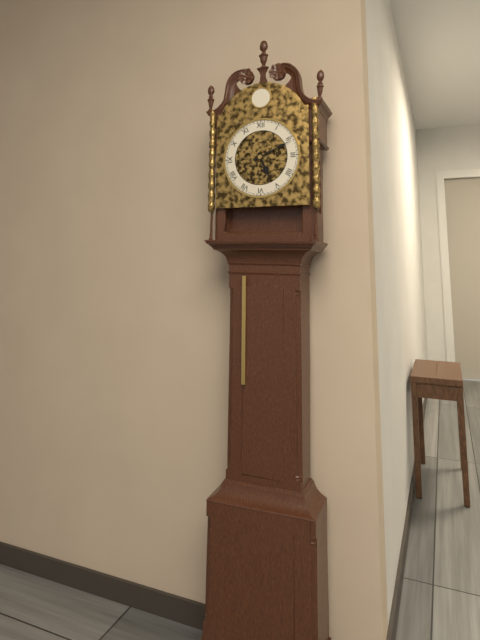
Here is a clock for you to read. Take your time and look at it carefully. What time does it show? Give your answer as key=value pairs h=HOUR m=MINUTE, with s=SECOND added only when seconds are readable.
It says h=5 m=11
